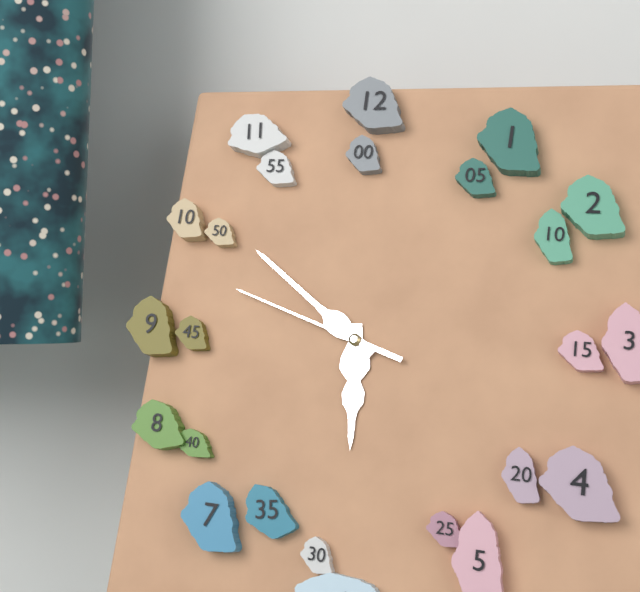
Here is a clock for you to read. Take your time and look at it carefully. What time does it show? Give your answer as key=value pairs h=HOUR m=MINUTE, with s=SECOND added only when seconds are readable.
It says h=5 m=51 s=48
